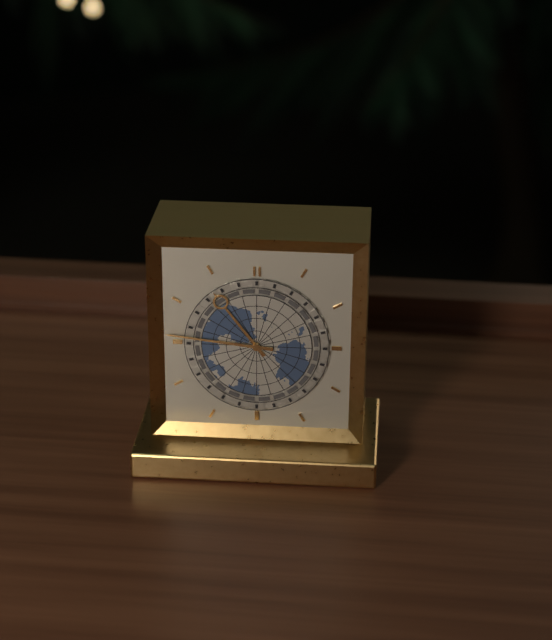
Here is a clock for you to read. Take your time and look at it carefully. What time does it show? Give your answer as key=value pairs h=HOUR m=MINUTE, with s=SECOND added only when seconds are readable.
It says h=10 m=46
